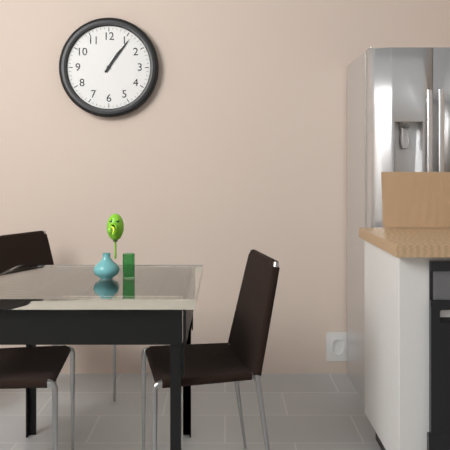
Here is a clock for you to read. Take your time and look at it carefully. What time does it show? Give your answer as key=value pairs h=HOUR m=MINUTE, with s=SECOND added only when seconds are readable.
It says h=1 m=6
